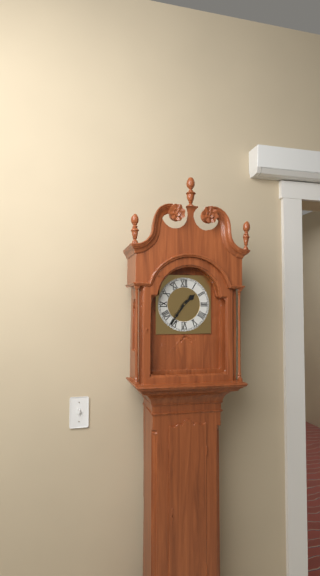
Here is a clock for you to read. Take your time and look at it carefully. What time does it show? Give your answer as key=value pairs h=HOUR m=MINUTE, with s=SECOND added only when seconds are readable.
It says h=1 m=36
